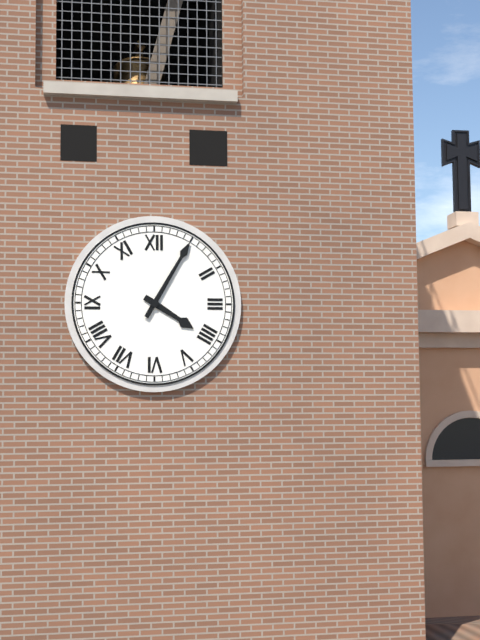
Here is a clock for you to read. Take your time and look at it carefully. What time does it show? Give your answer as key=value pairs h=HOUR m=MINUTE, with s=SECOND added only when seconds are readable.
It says h=4 m=5
